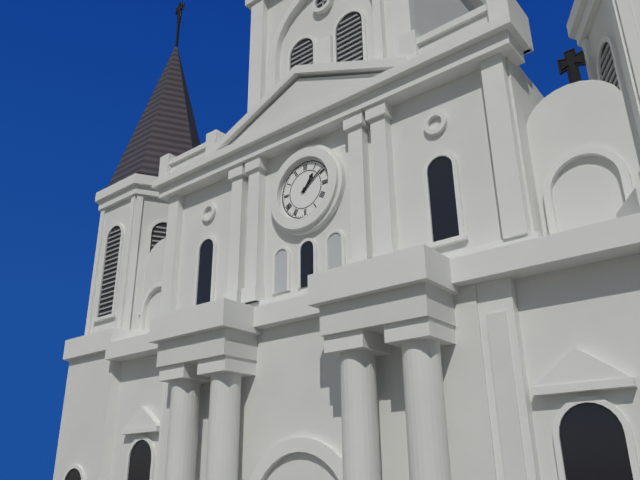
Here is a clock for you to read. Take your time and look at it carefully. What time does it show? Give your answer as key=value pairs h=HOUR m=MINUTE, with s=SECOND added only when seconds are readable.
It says h=1 m=9
